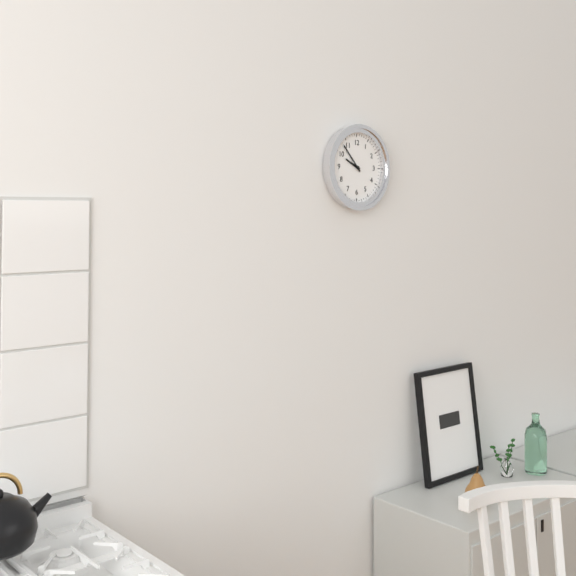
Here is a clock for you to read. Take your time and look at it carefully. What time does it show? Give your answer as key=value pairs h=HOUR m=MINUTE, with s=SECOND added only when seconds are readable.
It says h=9 m=53
